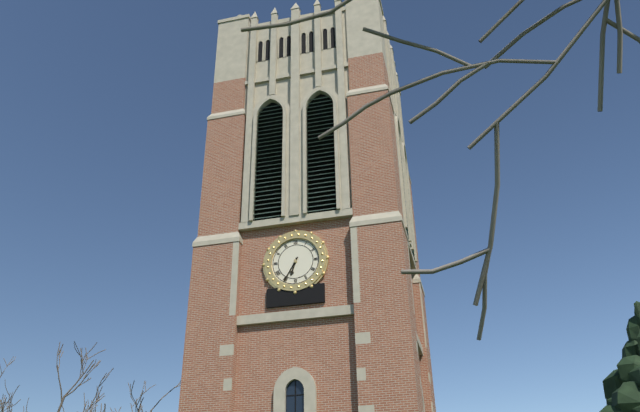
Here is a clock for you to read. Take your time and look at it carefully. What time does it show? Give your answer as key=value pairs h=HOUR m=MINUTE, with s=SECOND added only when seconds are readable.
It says h=6 m=35
